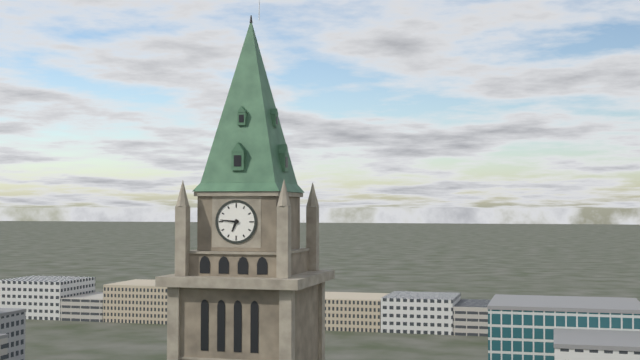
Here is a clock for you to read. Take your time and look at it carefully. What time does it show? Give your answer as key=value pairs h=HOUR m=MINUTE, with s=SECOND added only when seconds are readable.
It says h=6 m=46
